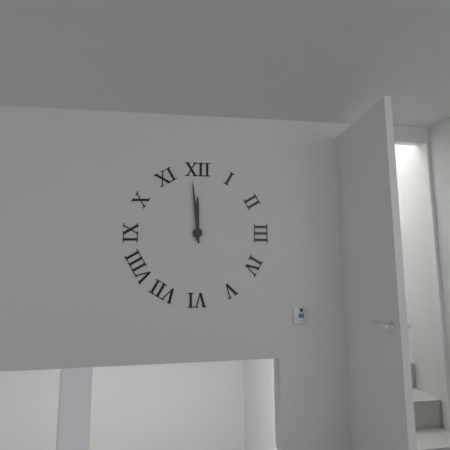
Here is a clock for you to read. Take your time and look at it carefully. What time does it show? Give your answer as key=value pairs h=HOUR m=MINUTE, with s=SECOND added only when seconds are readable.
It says h=11 m=59
